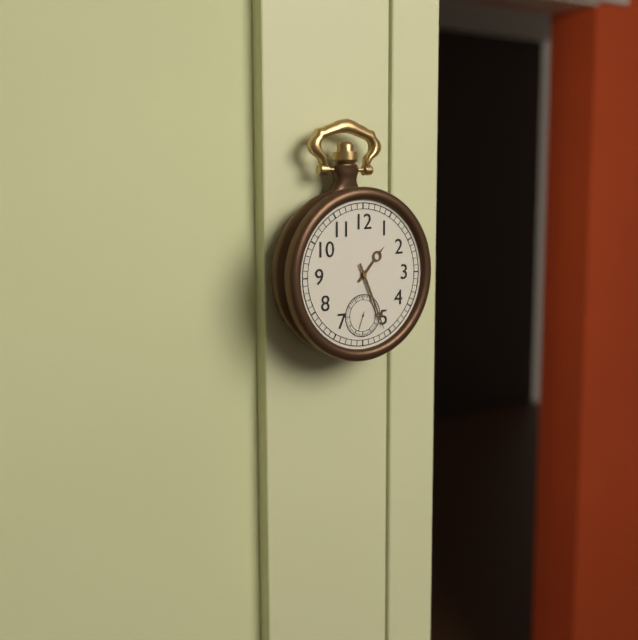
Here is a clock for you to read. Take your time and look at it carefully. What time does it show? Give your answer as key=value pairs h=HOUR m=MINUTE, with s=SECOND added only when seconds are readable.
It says h=1 m=26
